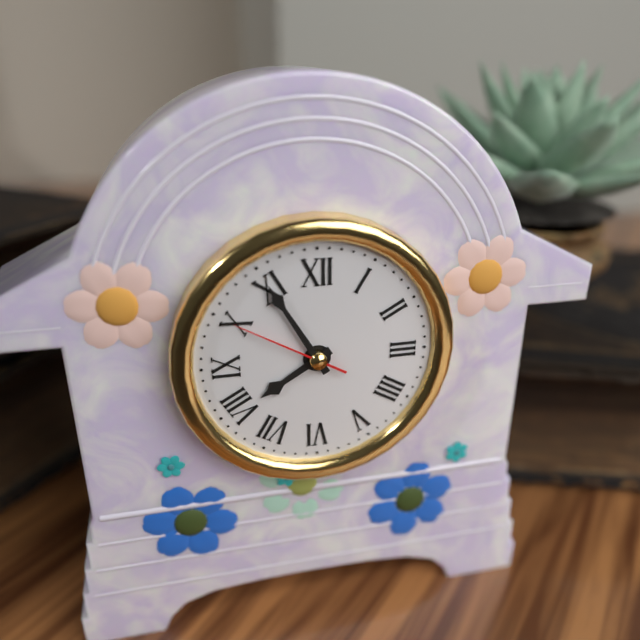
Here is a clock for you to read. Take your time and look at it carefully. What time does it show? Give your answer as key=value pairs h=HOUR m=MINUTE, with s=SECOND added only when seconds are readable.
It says h=7 m=55 s=50
